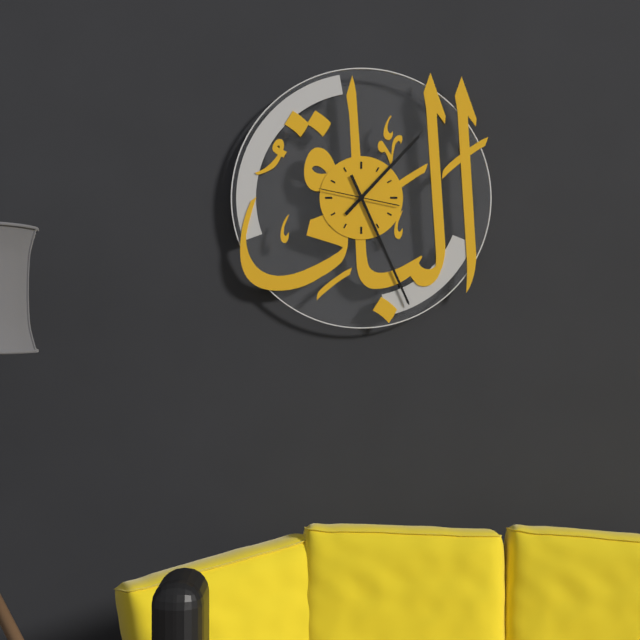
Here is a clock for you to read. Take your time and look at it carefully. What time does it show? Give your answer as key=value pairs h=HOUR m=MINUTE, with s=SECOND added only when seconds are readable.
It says h=1 m=26 s=47
